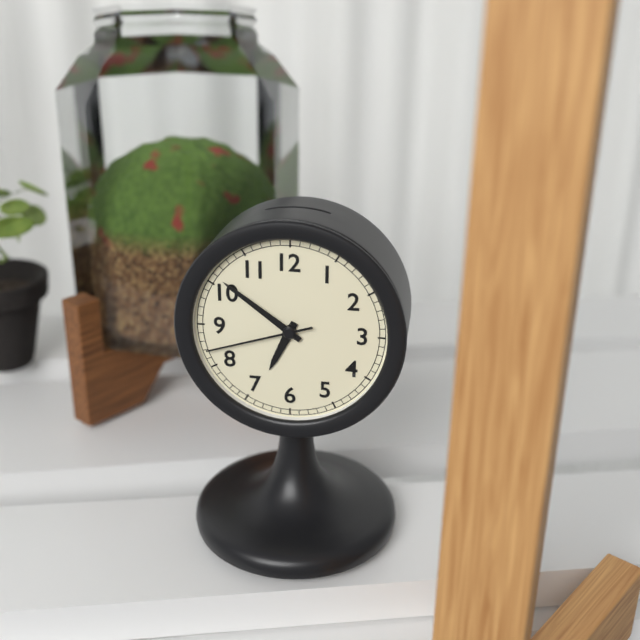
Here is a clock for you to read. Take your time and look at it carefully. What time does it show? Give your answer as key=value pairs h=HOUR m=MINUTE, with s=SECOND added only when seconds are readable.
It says h=6 m=51 s=42
